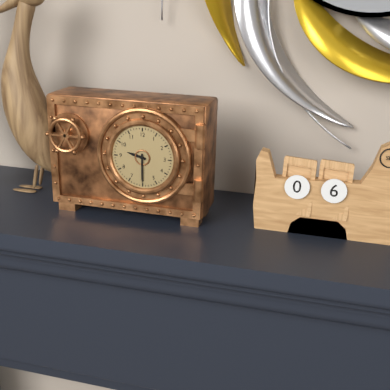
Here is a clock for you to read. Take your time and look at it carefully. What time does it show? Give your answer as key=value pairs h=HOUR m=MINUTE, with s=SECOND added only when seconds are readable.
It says h=9 m=30
